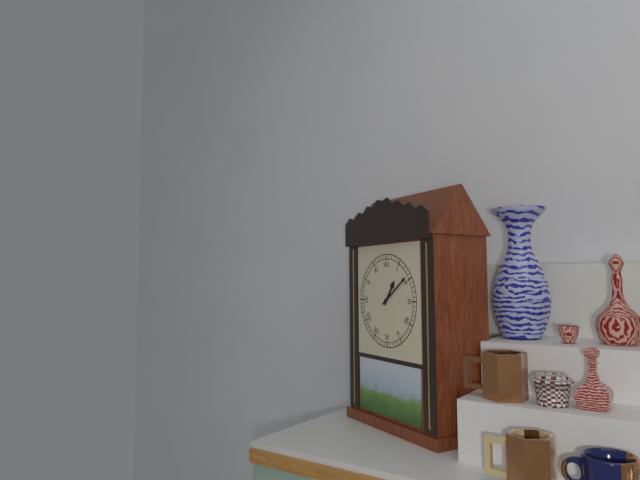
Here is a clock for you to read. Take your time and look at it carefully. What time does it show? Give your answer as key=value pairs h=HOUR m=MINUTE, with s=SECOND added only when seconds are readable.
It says h=1 m=9
